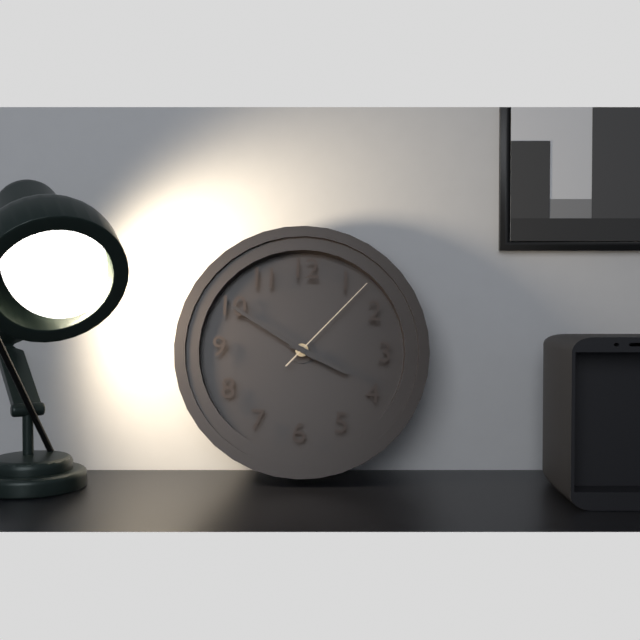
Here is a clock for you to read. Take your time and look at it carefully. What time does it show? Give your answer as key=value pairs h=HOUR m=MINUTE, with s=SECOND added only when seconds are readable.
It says h=3 m=50 s=7
